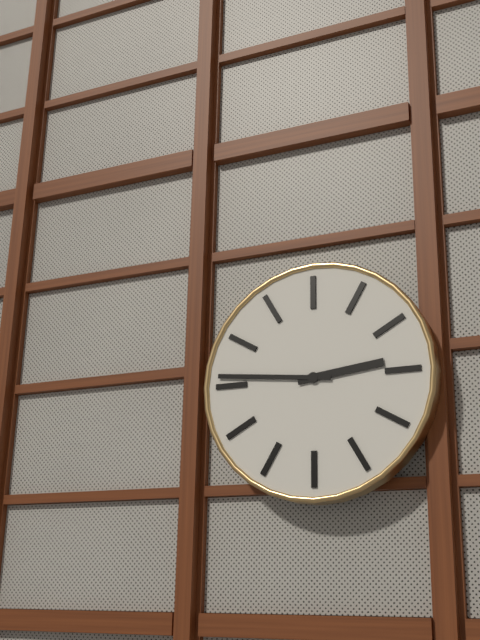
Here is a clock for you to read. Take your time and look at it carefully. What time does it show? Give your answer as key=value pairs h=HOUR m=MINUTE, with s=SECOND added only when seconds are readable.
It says h=2 m=46
